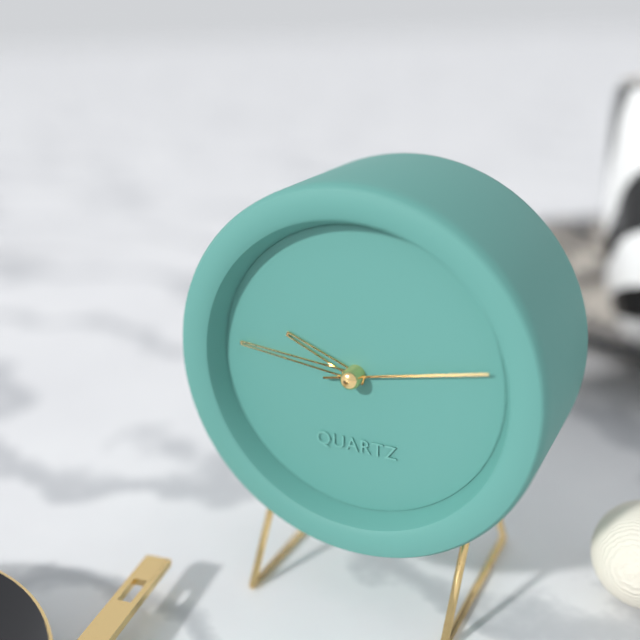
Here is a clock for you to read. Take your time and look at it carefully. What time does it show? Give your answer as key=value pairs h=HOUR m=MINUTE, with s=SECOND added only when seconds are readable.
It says h=9 m=46 s=13
